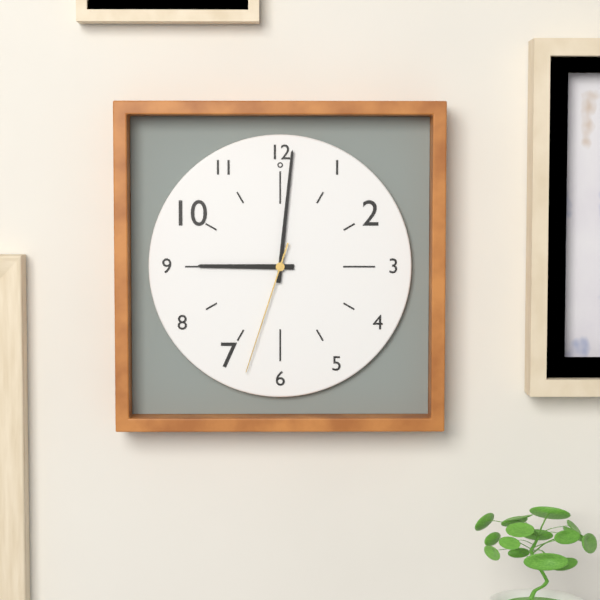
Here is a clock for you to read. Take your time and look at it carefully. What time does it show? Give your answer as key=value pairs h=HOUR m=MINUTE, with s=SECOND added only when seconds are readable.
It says h=9 m=1 s=33
